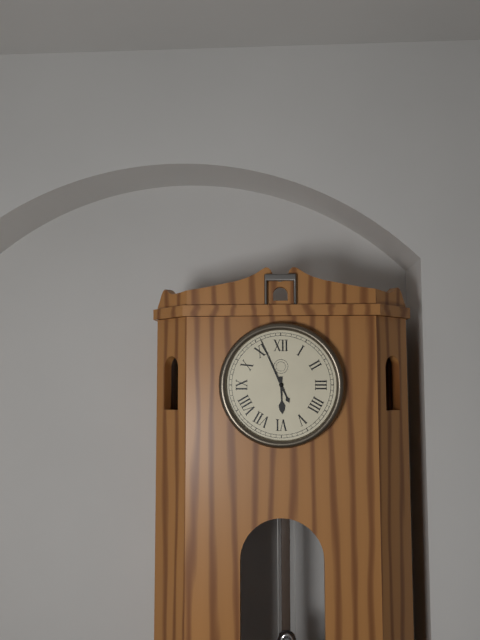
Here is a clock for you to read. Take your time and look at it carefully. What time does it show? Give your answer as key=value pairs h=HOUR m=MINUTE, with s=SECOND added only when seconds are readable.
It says h=5 m=56
